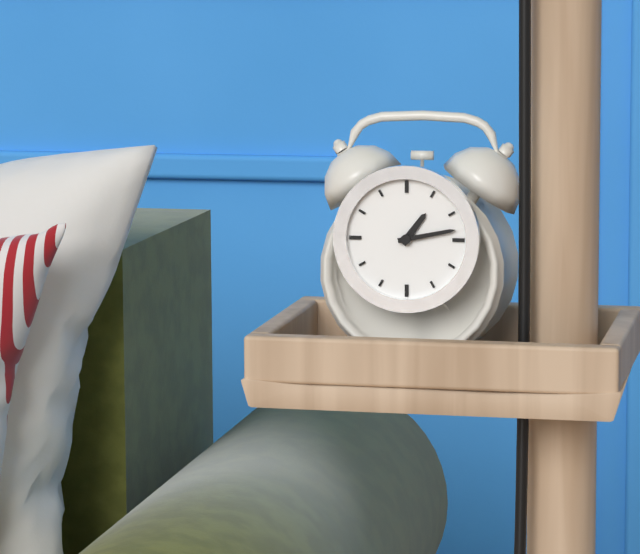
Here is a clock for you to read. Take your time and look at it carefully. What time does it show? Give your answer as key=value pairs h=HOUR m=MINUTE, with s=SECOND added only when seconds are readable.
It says h=1 m=13
